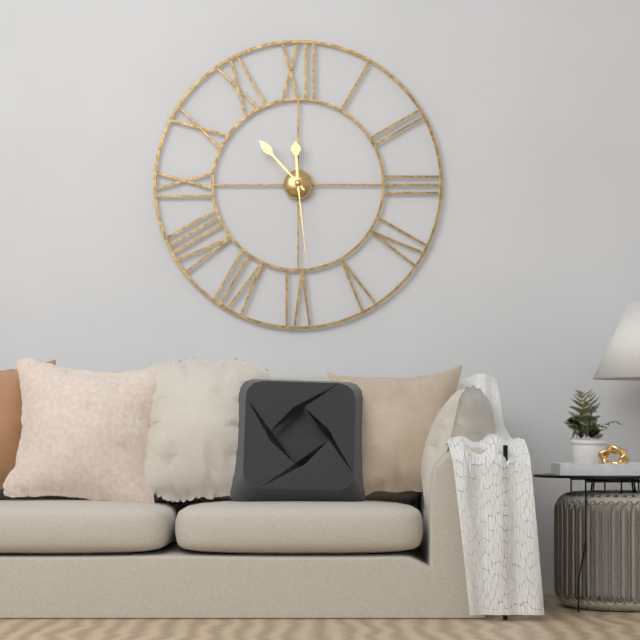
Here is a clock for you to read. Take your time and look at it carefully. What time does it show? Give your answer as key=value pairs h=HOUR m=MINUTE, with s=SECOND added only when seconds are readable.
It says h=11 m=53 s=29
